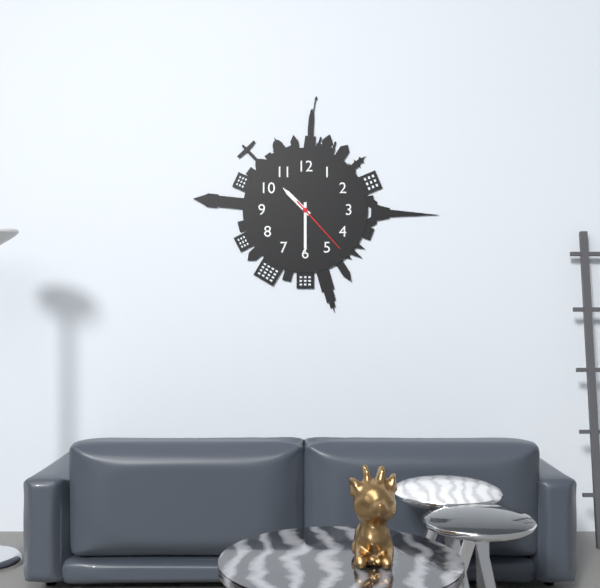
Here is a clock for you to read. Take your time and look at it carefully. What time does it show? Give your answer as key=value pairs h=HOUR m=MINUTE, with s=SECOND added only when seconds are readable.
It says h=10 m=30 s=23
